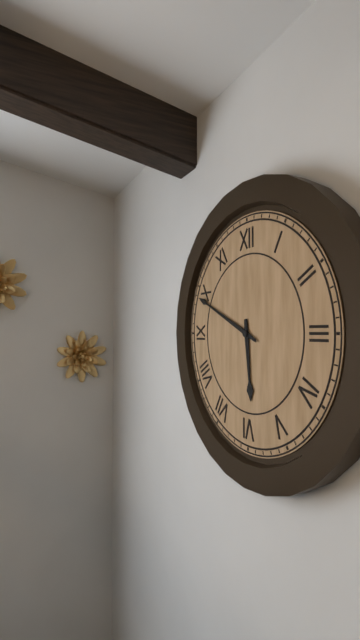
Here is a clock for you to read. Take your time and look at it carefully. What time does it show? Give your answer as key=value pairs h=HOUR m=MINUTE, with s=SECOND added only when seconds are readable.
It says h=5 m=49
